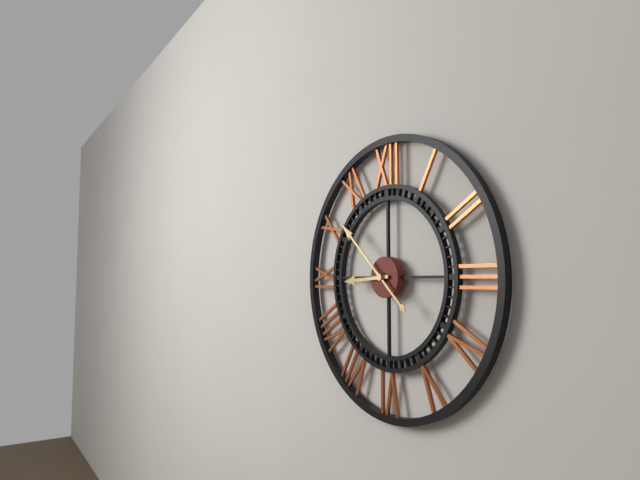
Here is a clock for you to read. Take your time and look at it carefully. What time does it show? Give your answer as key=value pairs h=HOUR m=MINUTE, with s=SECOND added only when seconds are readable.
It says h=8 m=52
